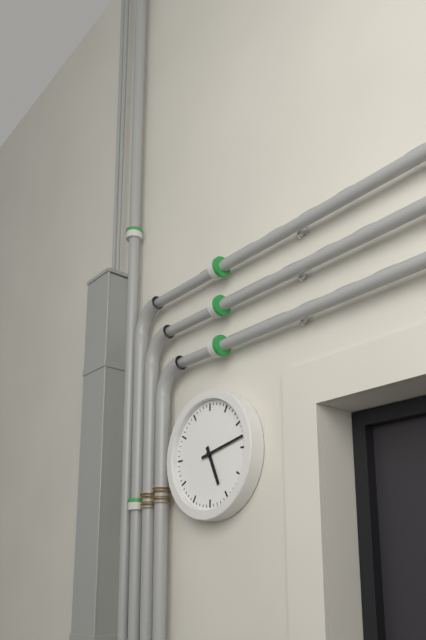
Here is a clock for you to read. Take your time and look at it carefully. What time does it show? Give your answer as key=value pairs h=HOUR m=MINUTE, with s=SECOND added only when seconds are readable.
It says h=5 m=13
